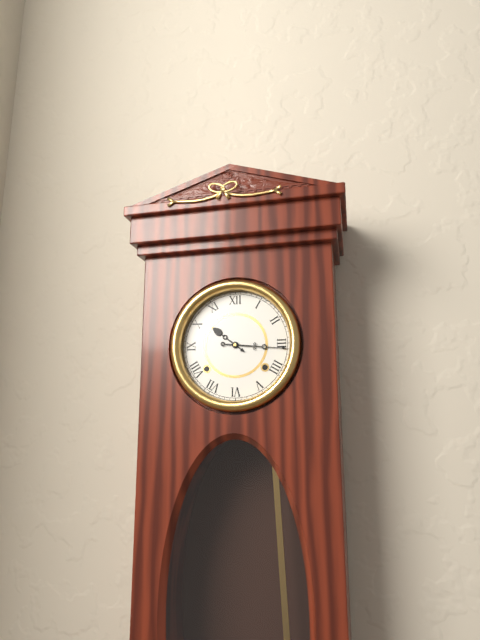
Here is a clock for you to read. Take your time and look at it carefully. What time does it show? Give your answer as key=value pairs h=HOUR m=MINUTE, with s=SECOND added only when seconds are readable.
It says h=10 m=16
